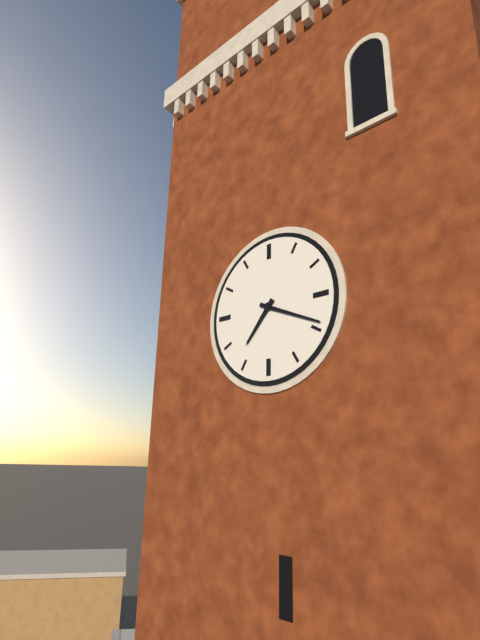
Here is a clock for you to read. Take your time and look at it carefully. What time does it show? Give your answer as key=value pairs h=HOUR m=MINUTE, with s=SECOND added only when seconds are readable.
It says h=7 m=19
